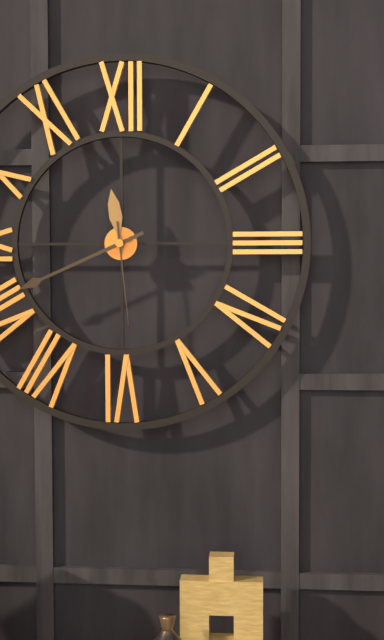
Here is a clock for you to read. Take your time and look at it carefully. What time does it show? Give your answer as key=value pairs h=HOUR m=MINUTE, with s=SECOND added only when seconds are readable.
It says h=11 m=41 s=29
